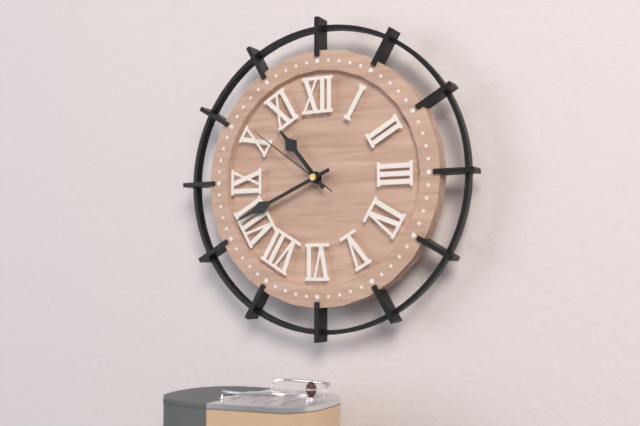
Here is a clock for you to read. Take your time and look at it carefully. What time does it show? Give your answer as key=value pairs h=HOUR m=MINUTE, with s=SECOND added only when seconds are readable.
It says h=10 m=41 s=51
